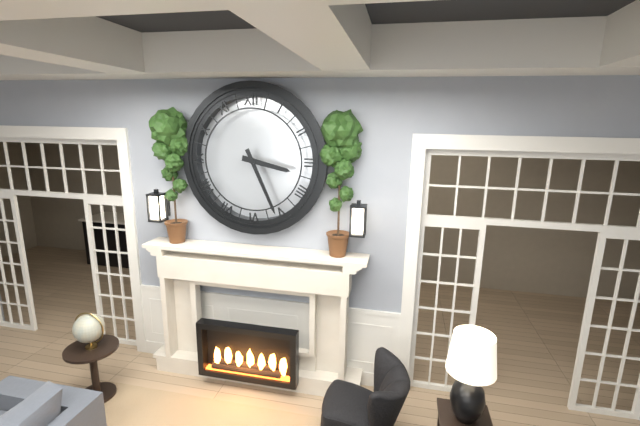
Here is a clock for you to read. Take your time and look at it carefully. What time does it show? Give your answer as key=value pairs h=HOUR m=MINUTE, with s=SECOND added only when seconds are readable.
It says h=3 m=26
